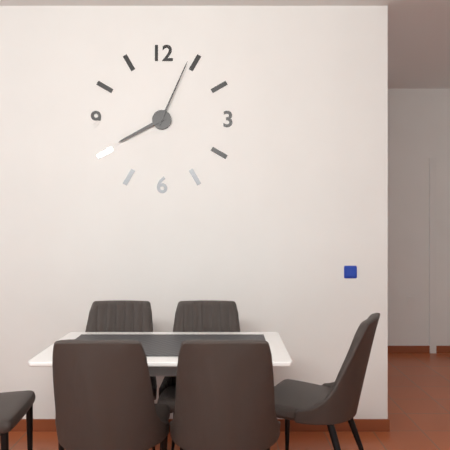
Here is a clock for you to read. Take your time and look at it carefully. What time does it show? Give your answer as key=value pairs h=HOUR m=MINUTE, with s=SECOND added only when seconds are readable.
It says h=8 m=4
